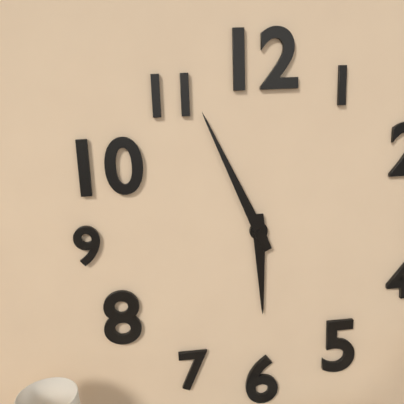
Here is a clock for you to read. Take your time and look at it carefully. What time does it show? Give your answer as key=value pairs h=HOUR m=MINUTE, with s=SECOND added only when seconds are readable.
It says h=5 m=56
